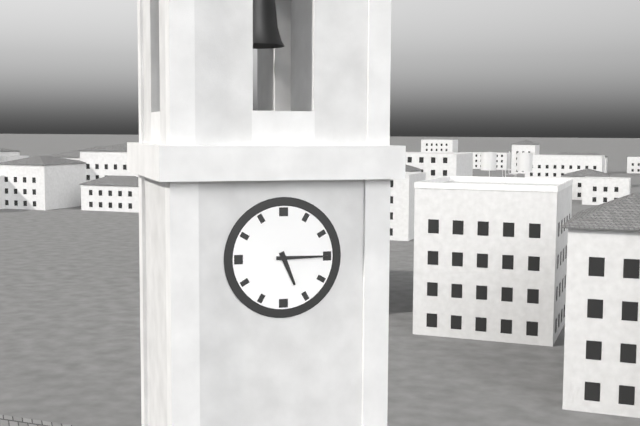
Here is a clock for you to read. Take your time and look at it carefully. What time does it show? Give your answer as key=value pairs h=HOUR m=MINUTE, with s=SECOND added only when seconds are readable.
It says h=5 m=15
